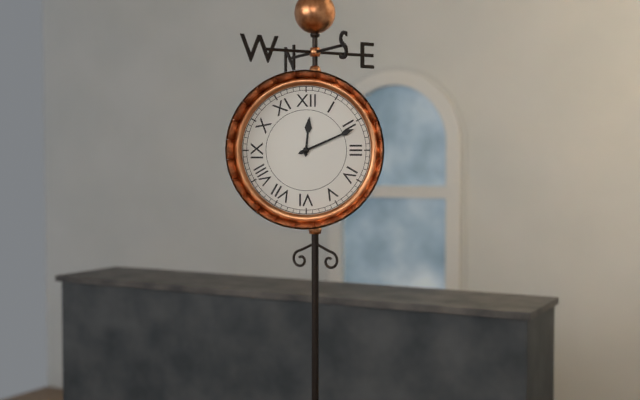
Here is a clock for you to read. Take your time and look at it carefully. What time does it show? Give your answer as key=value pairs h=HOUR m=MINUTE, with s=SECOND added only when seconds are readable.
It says h=12 m=11
